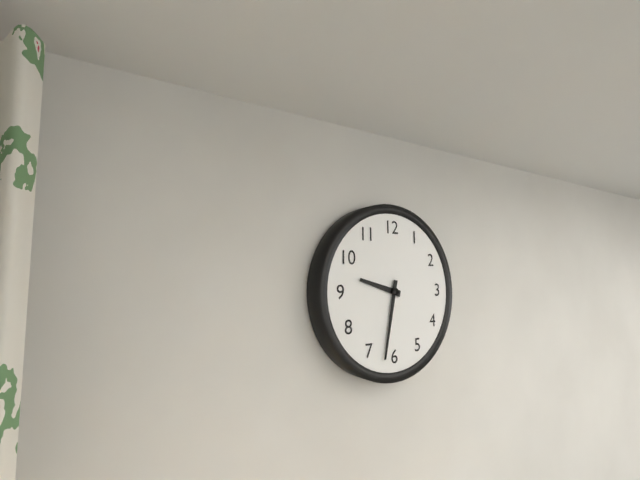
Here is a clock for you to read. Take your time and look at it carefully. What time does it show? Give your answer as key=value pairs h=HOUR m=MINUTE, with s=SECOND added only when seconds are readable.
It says h=9 m=32
